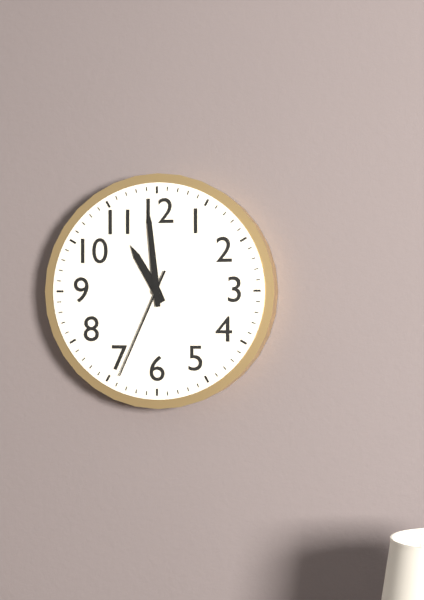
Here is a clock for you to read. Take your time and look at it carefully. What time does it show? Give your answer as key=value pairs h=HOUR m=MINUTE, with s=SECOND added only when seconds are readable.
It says h=10 m=59 s=34
